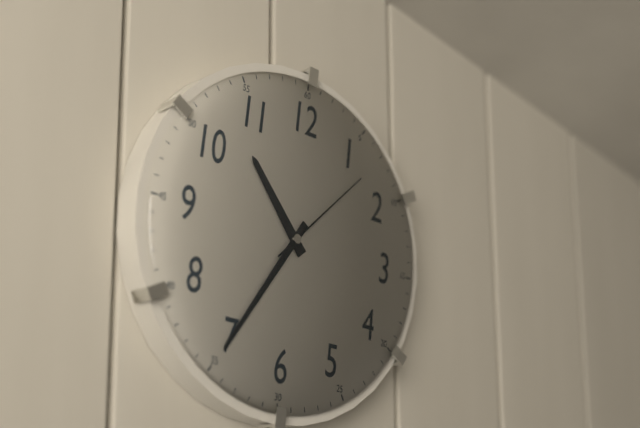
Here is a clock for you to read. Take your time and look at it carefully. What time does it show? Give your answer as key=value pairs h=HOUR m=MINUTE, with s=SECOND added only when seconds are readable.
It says h=10 m=35 s=7
